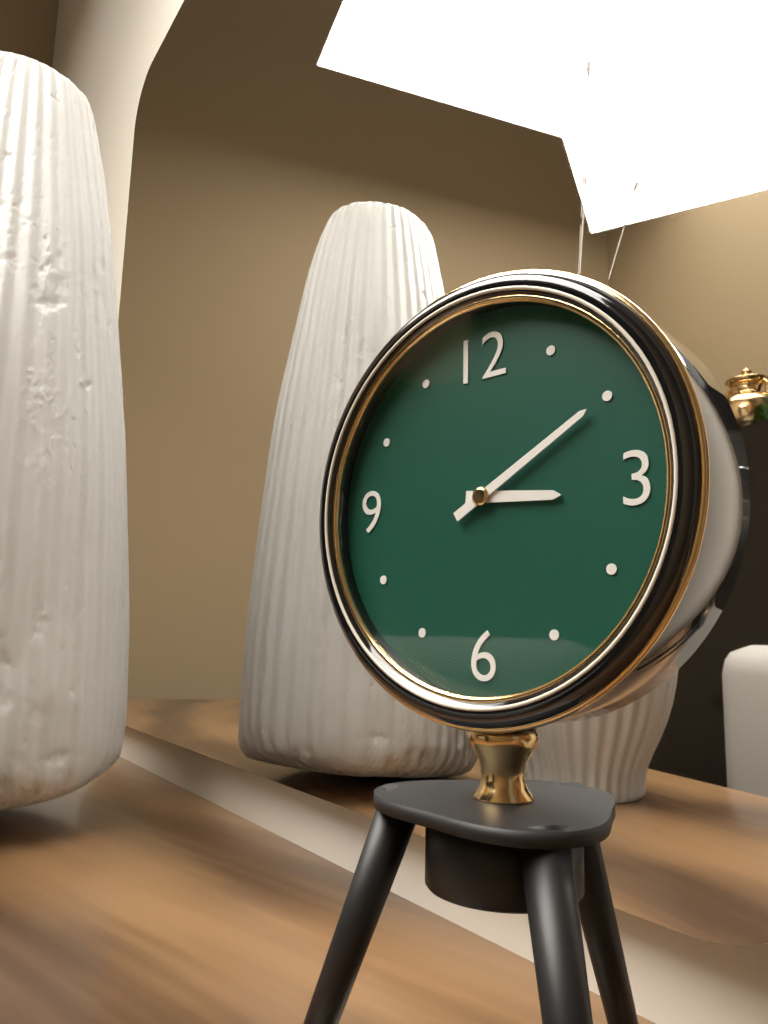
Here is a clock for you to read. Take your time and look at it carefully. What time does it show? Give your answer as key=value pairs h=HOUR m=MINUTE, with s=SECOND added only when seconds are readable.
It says h=3 m=10
